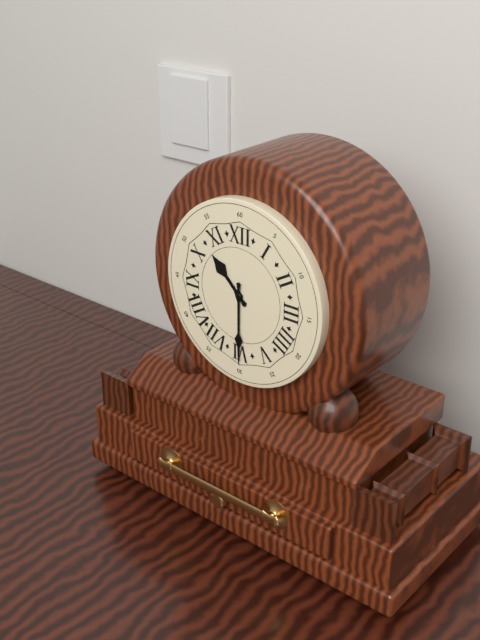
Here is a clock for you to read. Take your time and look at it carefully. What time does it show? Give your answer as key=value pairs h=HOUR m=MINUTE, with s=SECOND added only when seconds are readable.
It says h=10 m=30
